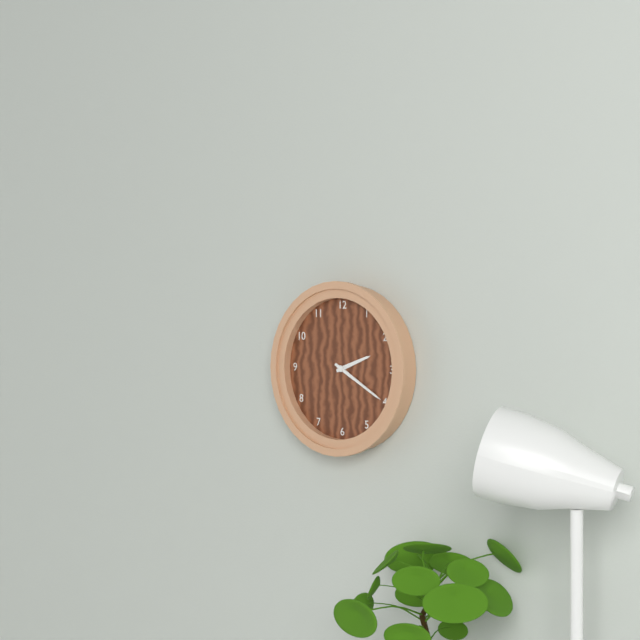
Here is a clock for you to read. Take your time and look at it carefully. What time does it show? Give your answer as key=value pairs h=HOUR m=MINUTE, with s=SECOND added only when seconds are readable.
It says h=2 m=20
